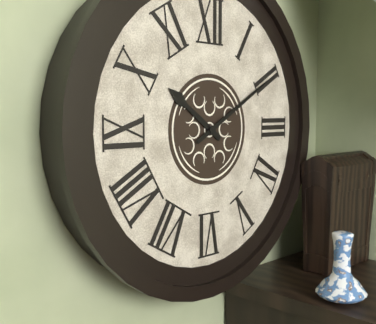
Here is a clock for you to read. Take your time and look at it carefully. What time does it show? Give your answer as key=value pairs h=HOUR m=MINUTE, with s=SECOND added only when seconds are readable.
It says h=10 m=10
